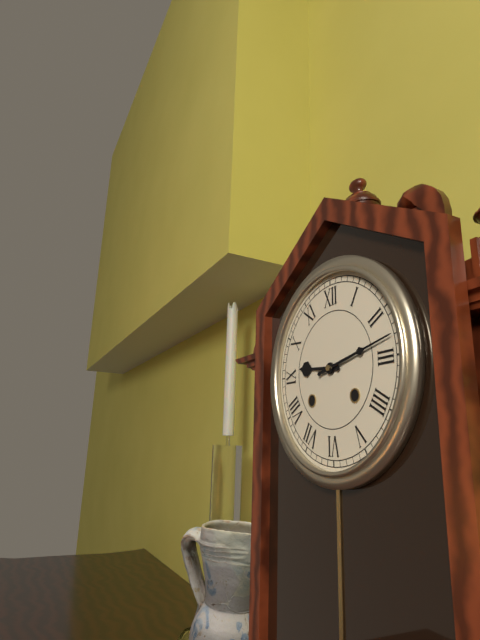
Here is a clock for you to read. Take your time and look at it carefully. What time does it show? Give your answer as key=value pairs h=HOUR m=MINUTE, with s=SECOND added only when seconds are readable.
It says h=9 m=13
